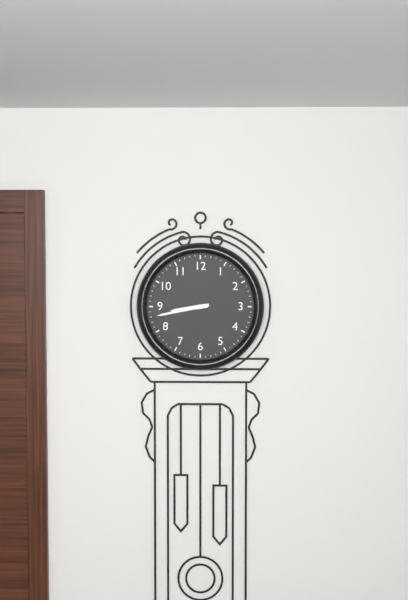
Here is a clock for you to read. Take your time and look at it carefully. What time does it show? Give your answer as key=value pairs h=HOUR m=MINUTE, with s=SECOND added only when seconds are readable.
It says h=8 m=43
